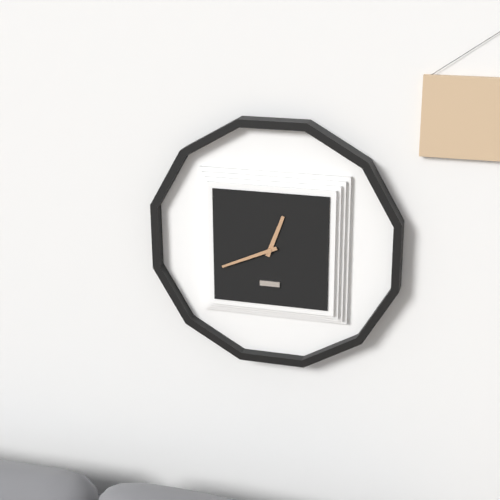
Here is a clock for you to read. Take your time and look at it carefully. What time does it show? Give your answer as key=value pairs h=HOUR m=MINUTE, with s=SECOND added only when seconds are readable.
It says h=12 m=41
